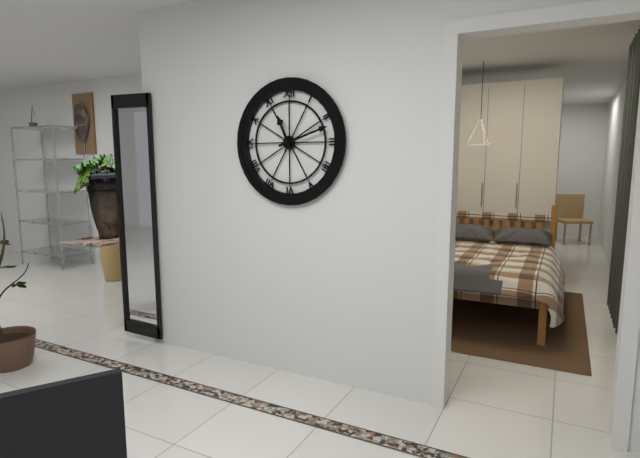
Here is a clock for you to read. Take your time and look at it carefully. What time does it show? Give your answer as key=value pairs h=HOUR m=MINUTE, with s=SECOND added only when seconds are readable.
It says h=11 m=12
